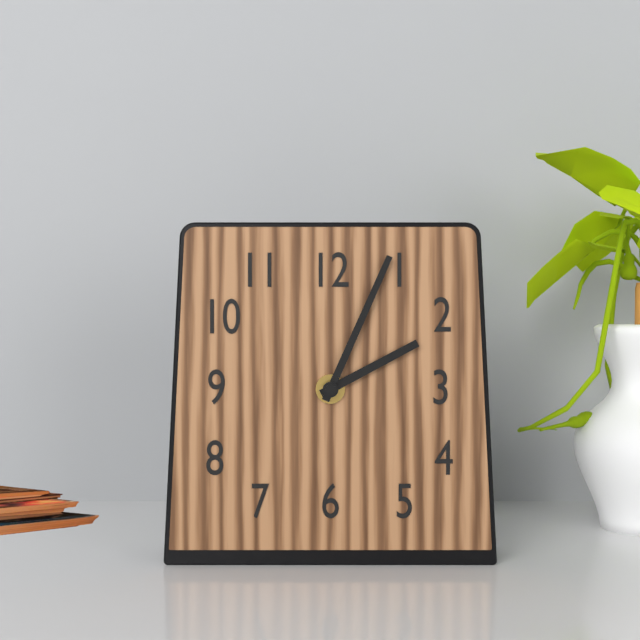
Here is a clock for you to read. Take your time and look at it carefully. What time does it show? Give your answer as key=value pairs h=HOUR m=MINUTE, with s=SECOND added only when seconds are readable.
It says h=2 m=4
